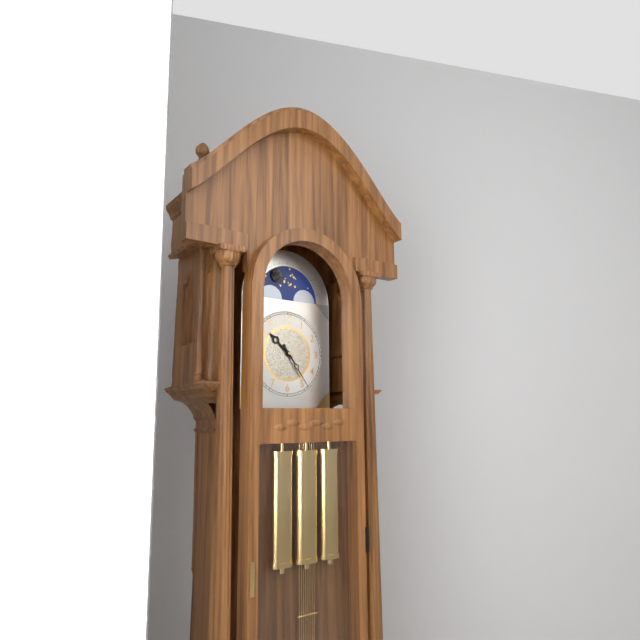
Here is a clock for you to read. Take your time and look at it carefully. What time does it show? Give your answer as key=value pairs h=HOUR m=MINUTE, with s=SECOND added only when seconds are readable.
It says h=10 m=24
